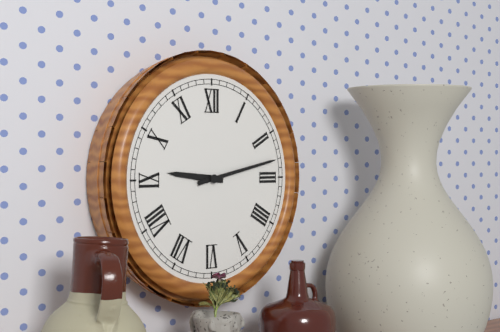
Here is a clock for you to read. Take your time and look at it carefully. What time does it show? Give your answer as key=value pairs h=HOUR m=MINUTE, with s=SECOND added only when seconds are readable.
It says h=9 m=13
